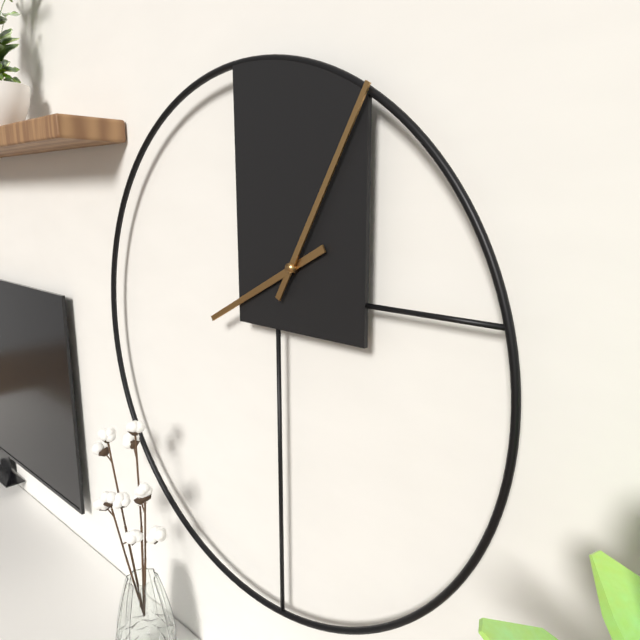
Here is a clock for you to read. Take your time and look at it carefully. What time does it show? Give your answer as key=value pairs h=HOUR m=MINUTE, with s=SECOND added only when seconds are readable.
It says h=8 m=5
